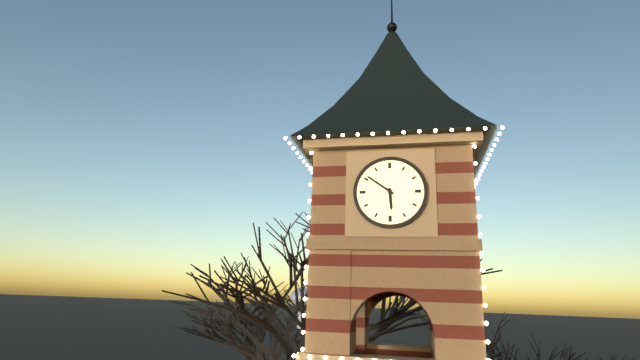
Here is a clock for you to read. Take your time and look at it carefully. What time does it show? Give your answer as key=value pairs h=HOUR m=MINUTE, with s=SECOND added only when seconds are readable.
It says h=5 m=51
